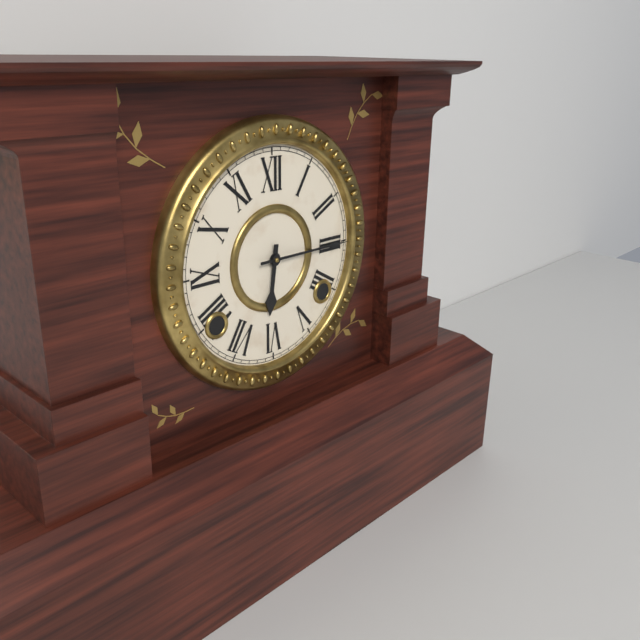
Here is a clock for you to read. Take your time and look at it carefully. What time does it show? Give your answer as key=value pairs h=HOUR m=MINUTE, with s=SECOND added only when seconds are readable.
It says h=6 m=15
